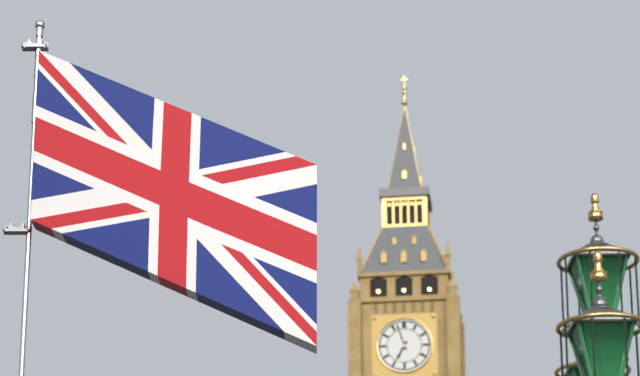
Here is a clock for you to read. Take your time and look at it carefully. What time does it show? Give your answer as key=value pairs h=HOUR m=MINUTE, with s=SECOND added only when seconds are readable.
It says h=6 m=57
